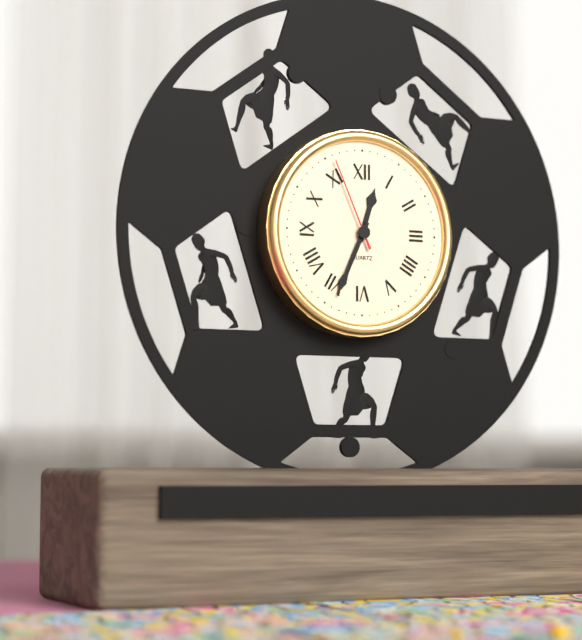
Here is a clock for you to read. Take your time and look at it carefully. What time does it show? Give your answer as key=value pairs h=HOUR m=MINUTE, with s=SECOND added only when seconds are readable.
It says h=12 m=34 s=56
